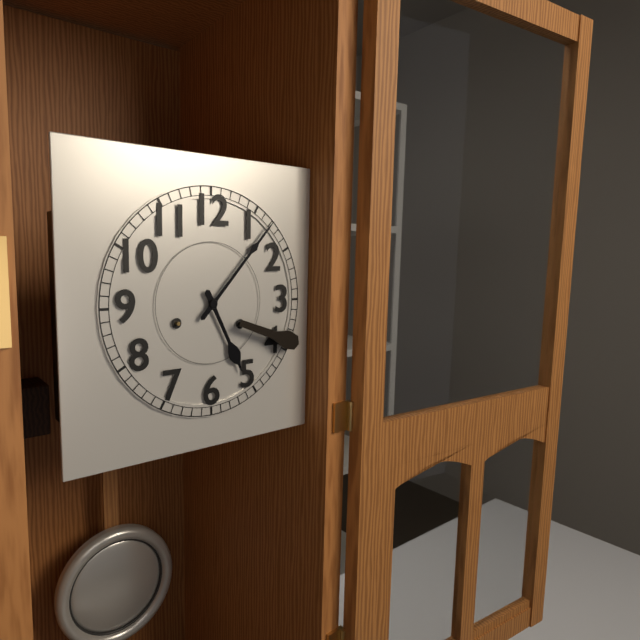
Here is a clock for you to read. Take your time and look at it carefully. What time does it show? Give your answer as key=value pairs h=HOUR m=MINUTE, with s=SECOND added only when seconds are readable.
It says h=5 m=7
